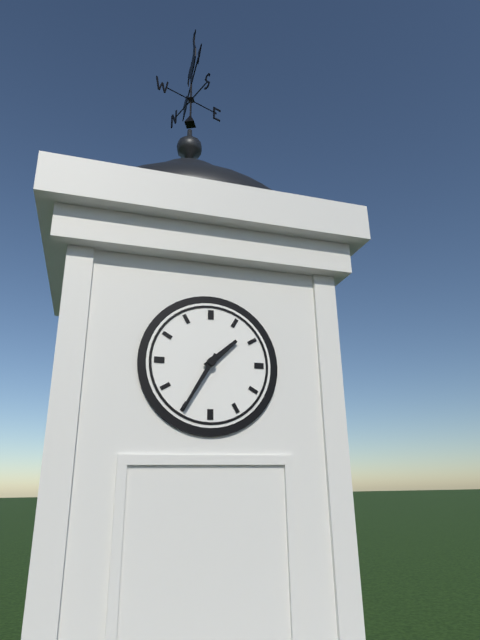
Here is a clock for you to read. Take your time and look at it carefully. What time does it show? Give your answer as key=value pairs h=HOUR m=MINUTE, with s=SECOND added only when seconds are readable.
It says h=1 m=35
